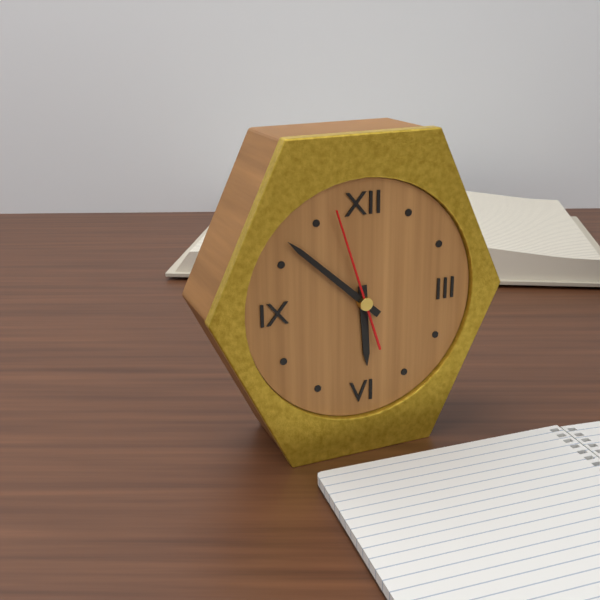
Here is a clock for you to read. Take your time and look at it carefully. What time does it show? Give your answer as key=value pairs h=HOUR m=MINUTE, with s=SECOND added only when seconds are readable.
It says h=5 m=52 s=57
